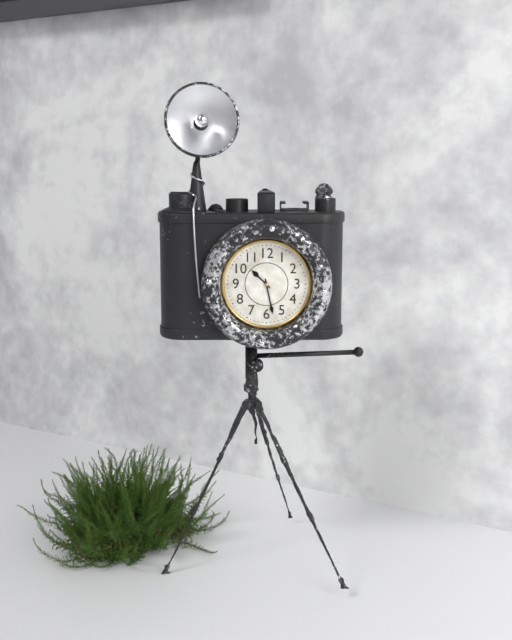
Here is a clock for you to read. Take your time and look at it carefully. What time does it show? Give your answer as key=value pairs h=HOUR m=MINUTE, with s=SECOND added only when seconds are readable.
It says h=10 m=28
